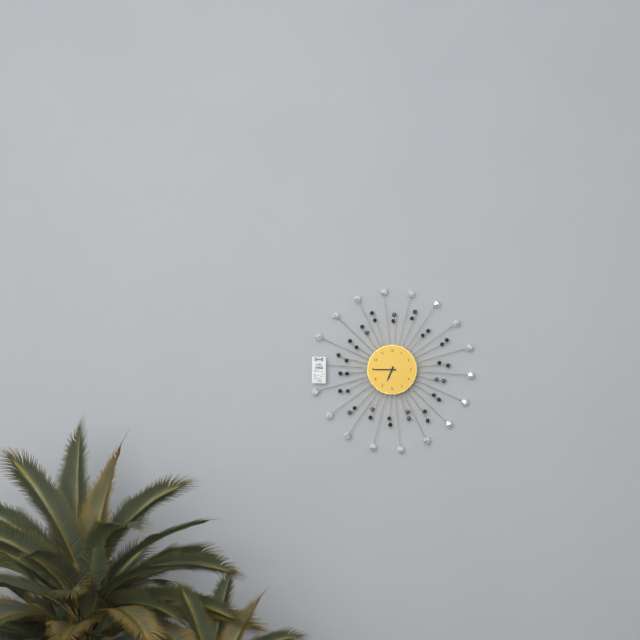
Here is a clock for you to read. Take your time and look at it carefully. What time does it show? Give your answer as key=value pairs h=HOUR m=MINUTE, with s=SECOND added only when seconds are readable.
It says h=6 m=45
